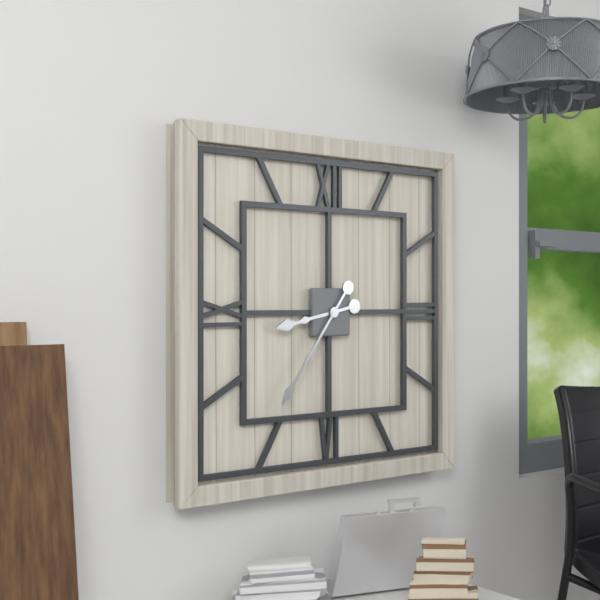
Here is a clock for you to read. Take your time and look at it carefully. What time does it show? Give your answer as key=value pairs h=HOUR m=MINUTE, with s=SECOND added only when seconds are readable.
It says h=8 m=36
